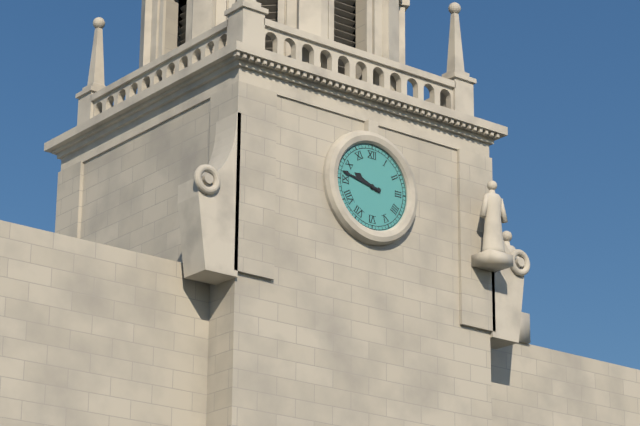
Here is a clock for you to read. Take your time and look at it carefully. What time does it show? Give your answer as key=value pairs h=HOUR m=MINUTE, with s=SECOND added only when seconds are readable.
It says h=9 m=47
